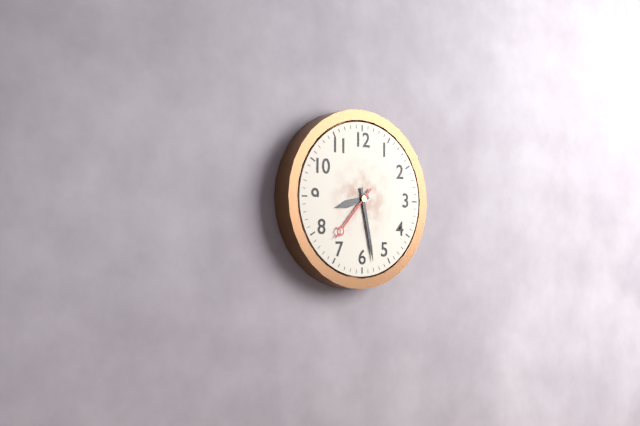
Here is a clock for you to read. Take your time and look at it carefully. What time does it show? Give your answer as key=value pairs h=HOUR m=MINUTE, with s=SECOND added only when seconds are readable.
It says h=8 m=28 s=37
